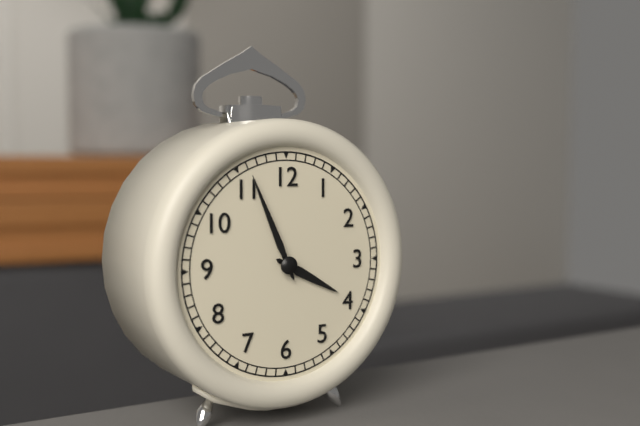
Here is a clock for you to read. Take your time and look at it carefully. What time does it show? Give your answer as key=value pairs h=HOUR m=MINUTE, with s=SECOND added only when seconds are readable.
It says h=3 m=56
